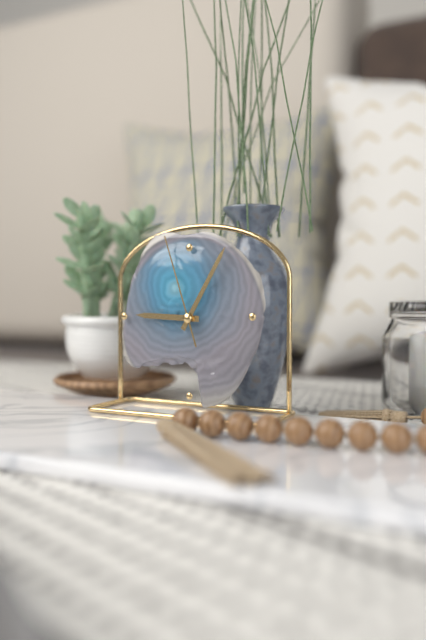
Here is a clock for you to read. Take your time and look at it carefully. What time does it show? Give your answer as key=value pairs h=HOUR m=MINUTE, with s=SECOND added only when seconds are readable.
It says h=9 m=5 s=57
